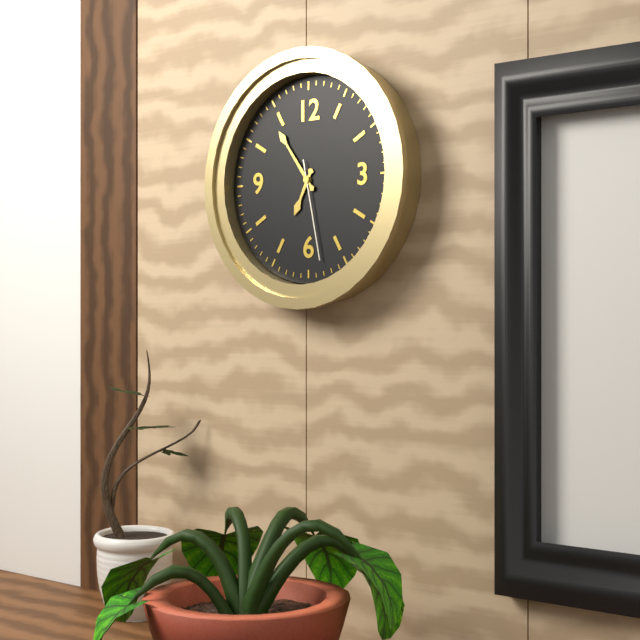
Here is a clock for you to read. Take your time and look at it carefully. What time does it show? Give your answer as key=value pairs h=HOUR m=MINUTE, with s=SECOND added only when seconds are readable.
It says h=6 m=54 s=28
